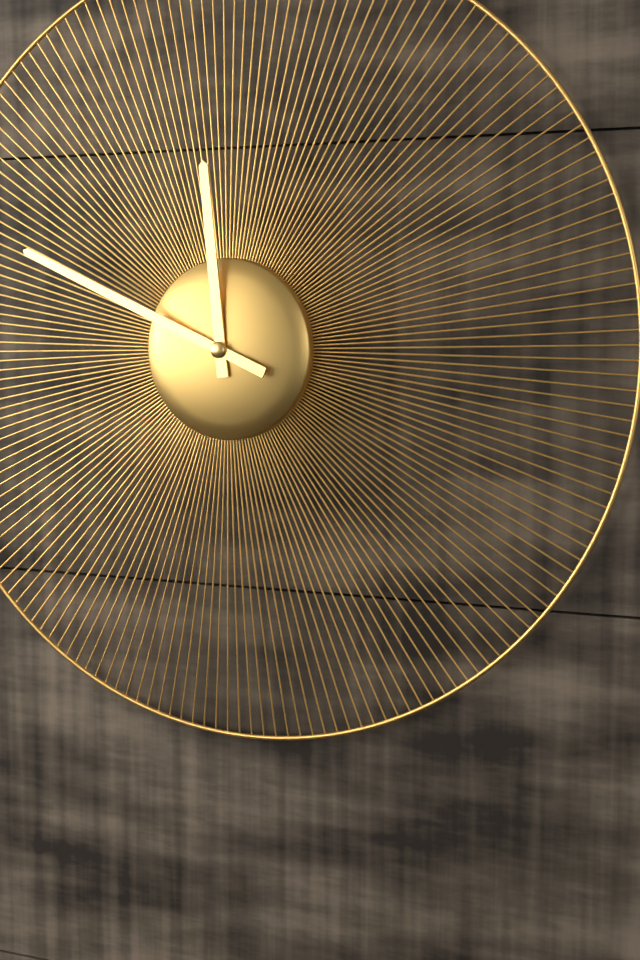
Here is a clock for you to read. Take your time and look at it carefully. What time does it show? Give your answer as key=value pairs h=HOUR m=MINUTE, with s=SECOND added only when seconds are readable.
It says h=11 m=49
